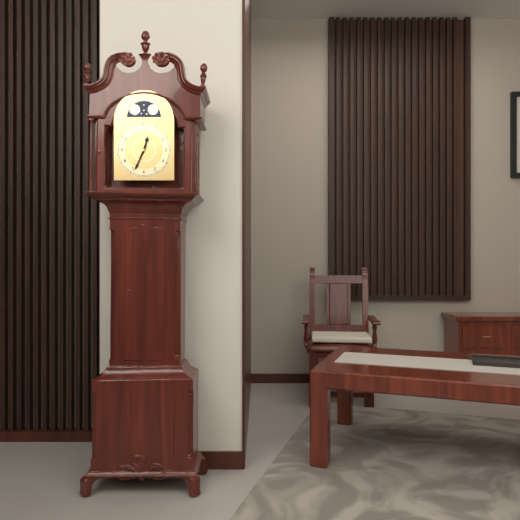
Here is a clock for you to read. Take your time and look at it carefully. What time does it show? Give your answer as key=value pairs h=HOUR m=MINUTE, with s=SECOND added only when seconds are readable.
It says h=12 m=34
